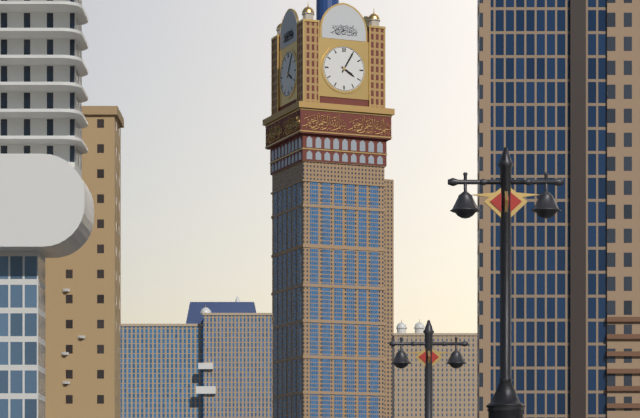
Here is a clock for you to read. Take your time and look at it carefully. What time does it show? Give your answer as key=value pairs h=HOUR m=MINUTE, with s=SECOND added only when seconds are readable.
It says h=4 m=5
